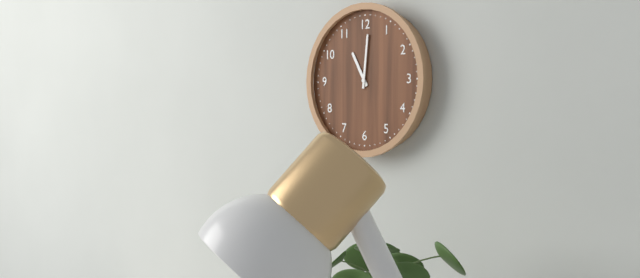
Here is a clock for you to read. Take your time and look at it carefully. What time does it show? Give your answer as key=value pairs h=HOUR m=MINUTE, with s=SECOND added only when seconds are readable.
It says h=11 m=1
